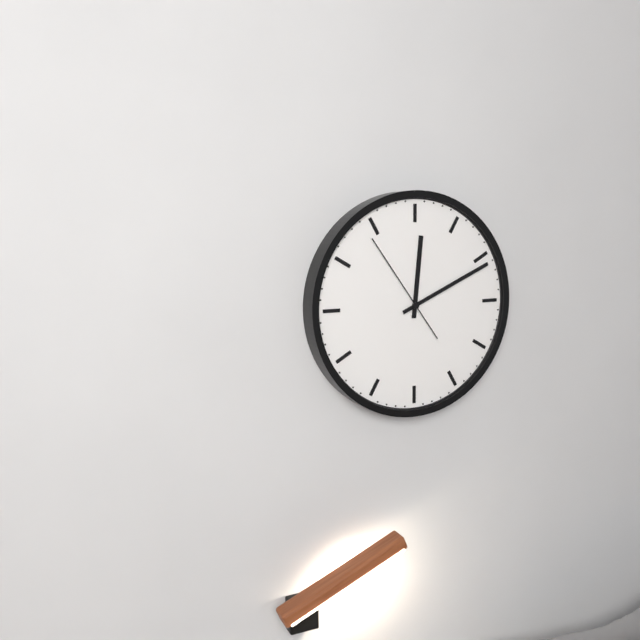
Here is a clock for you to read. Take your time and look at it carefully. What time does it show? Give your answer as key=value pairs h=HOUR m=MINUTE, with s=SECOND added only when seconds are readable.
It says h=12 m=11 s=54
